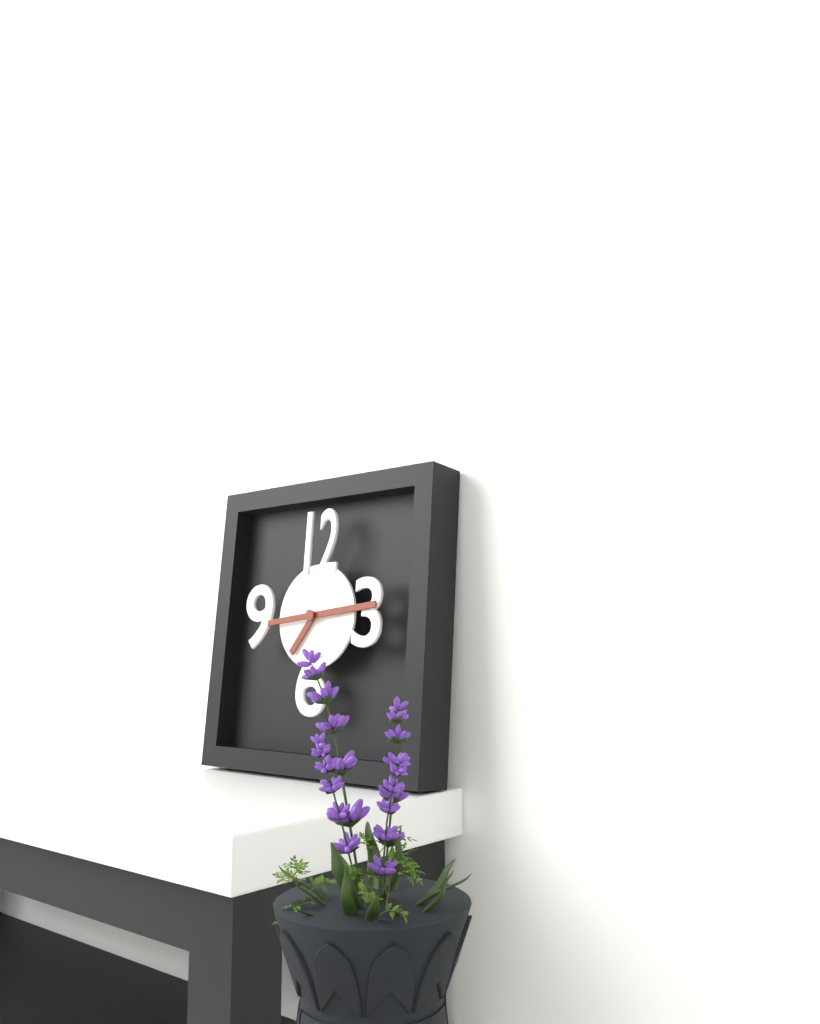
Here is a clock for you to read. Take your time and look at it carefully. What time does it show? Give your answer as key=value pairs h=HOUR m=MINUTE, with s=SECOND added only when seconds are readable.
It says h=7 m=14 s=44
